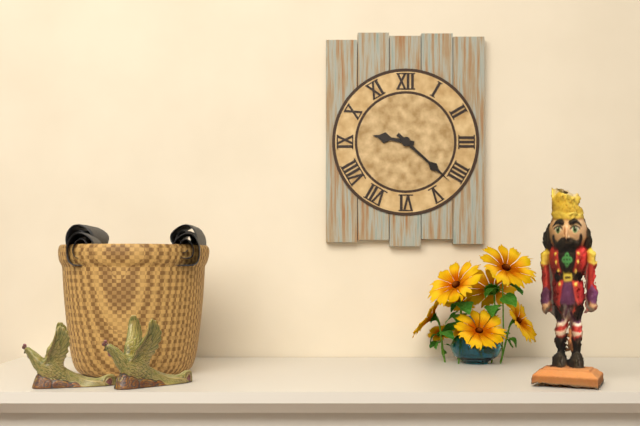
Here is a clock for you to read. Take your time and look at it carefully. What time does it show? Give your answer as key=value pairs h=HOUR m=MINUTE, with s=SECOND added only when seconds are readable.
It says h=9 m=22
